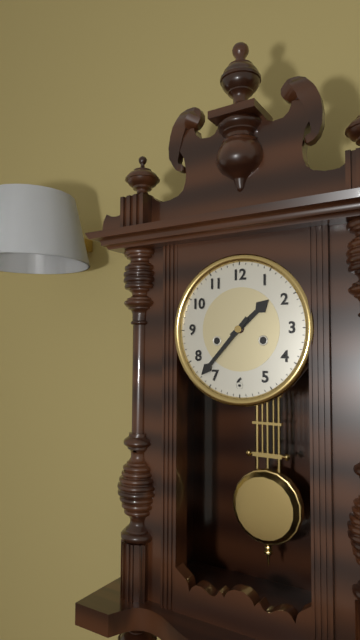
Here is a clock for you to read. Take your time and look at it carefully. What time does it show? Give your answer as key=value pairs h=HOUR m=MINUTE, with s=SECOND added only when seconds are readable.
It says h=1 m=37
